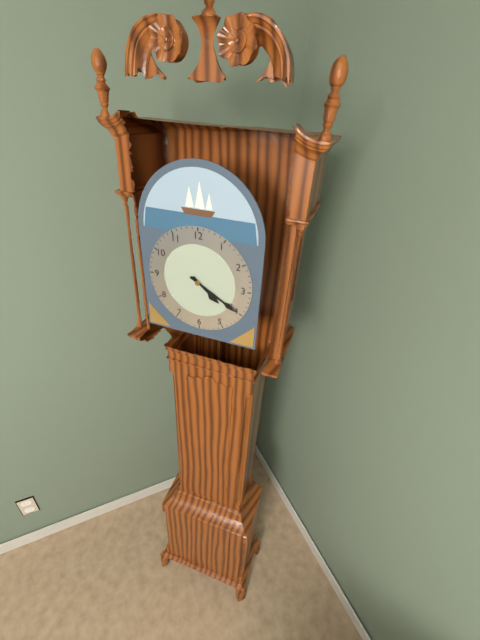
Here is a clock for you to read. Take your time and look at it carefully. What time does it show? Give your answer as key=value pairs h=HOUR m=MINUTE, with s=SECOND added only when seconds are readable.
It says h=4 m=20
